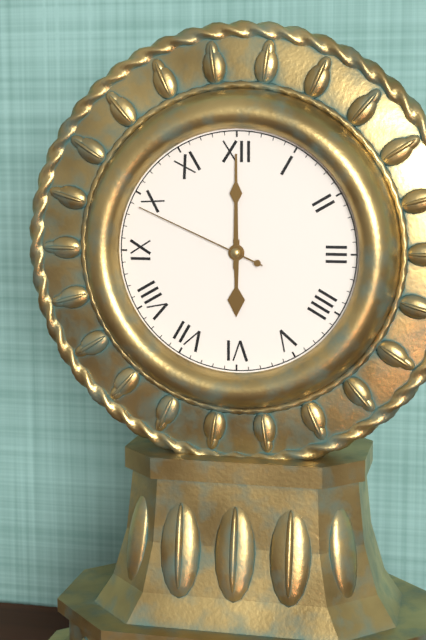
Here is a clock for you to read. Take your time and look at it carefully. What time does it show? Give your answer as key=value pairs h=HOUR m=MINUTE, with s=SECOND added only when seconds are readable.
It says h=6 m=0 s=49
